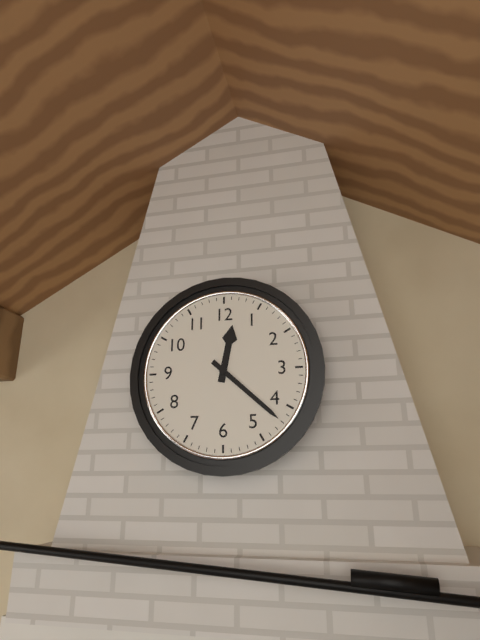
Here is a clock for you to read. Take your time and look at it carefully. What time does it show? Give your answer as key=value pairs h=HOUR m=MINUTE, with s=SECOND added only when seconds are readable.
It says h=12 m=22
